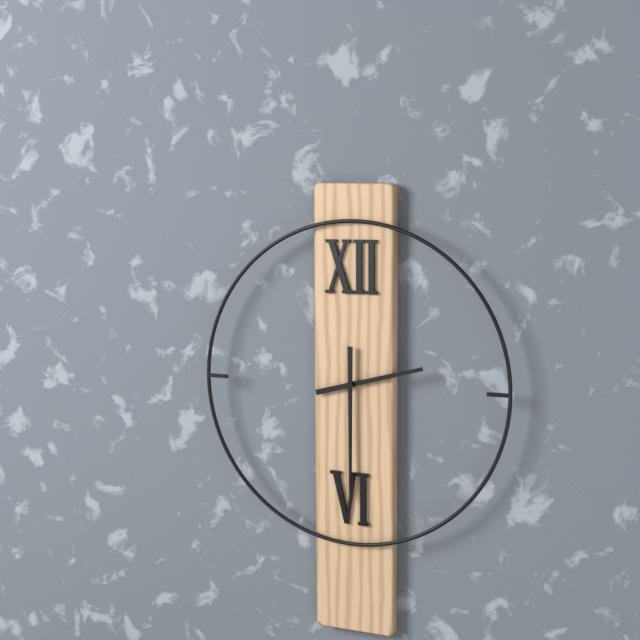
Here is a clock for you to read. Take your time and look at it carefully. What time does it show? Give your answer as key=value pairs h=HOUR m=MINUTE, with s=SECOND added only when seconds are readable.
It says h=2 m=30
